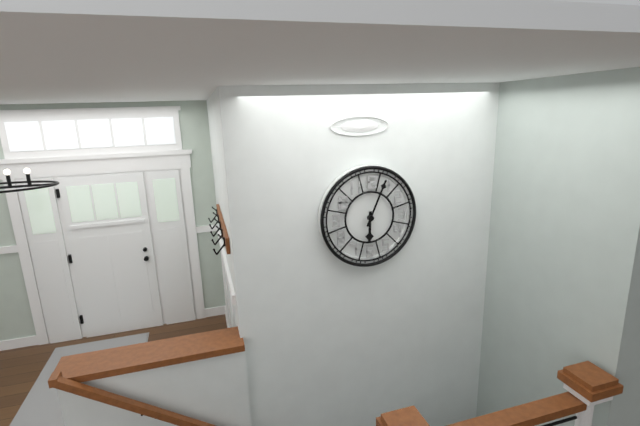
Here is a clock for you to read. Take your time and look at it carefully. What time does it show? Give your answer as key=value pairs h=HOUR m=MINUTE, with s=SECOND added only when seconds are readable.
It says h=6 m=4
